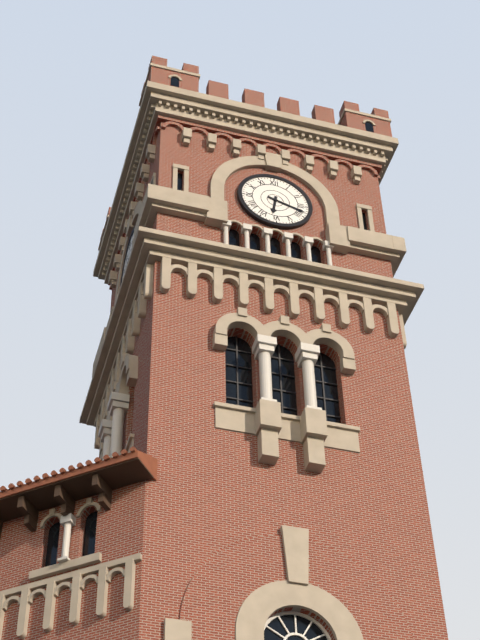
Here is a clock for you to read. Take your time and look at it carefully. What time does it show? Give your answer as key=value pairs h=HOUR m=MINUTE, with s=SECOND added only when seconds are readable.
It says h=6 m=18
